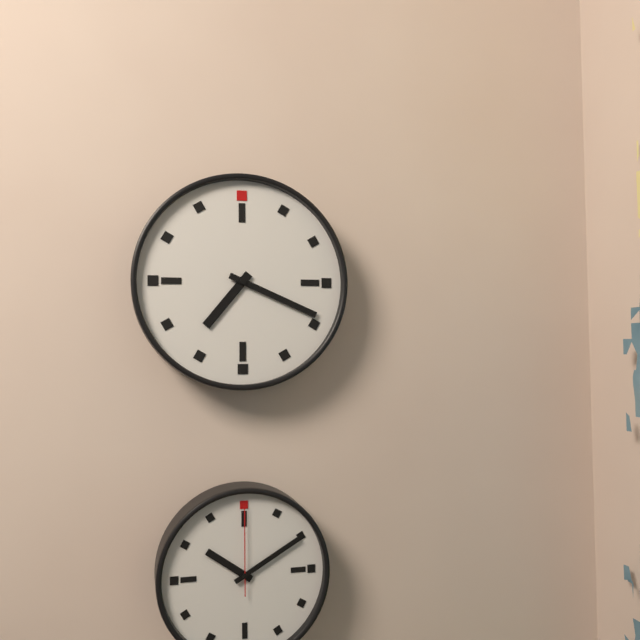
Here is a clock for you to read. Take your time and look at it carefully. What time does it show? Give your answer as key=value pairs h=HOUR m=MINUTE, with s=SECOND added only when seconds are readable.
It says h=7 m=19
